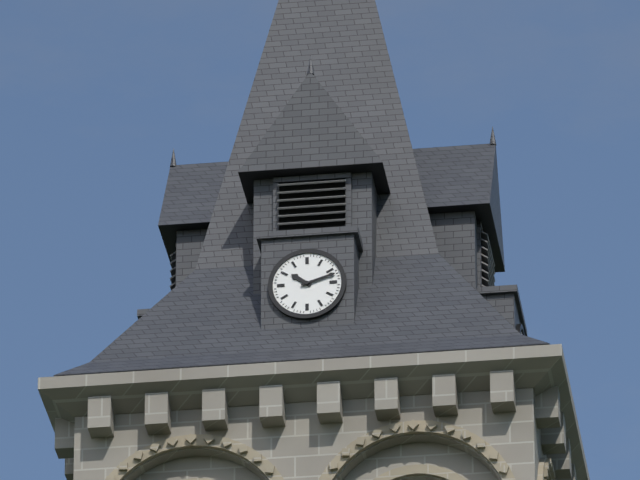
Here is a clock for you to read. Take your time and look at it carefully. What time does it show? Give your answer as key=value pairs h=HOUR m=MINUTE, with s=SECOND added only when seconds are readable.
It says h=10 m=12
